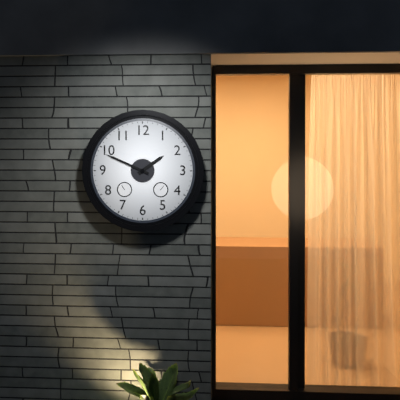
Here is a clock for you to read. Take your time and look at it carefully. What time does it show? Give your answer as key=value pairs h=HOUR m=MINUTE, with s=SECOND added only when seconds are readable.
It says h=1 m=49
